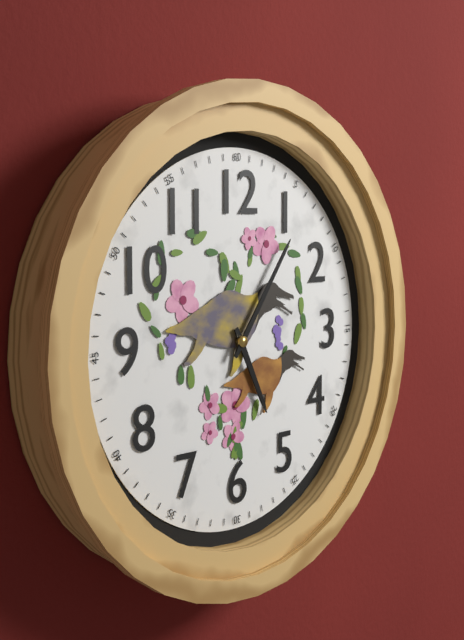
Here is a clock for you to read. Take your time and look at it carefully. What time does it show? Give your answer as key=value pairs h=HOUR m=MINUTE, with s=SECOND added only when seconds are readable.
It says h=5 m=6
